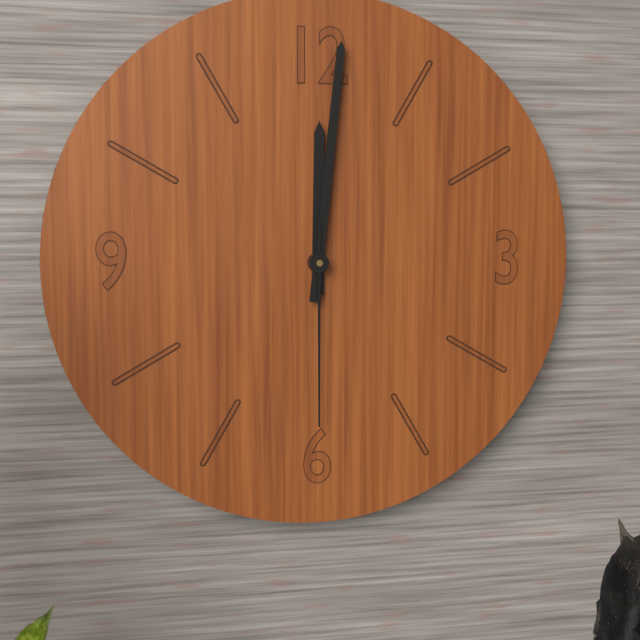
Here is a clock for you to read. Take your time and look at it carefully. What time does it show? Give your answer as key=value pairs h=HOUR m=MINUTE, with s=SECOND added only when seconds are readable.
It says h=12 m=1 s=30
